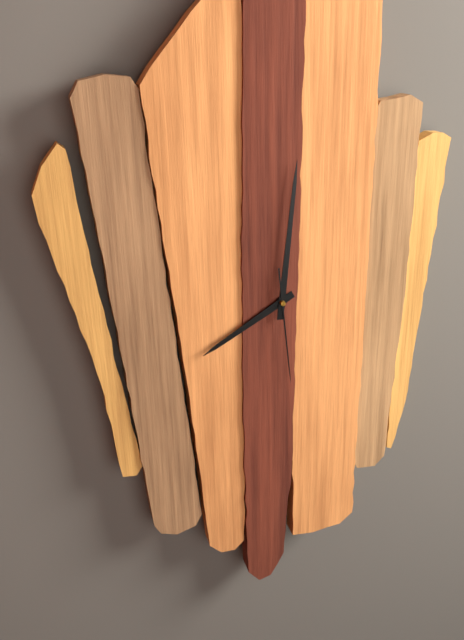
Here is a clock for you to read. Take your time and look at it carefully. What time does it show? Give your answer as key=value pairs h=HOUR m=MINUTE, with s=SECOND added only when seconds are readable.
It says h=8 m=1 s=29
